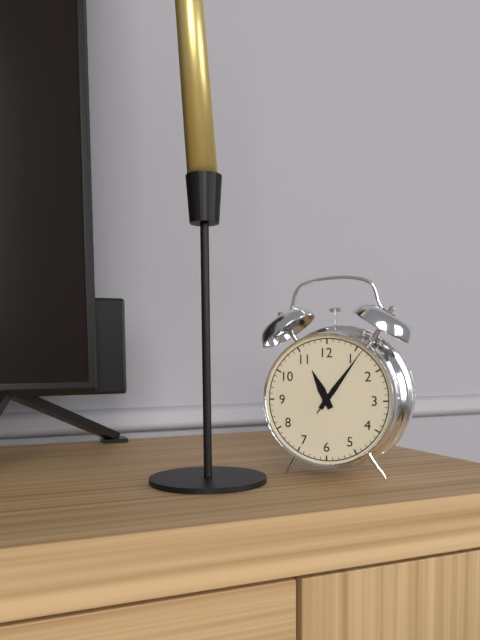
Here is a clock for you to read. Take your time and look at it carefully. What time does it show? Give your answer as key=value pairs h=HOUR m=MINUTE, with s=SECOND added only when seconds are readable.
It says h=11 m=6 s=6
